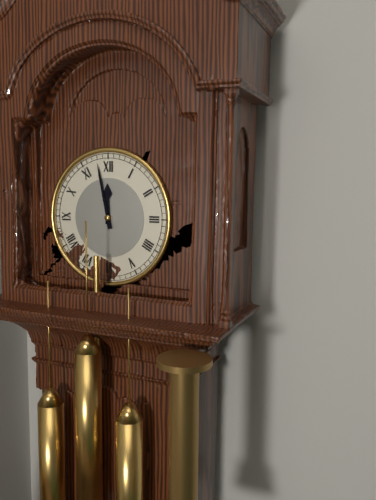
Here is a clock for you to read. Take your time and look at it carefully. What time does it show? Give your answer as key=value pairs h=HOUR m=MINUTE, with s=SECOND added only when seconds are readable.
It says h=11 m=58
